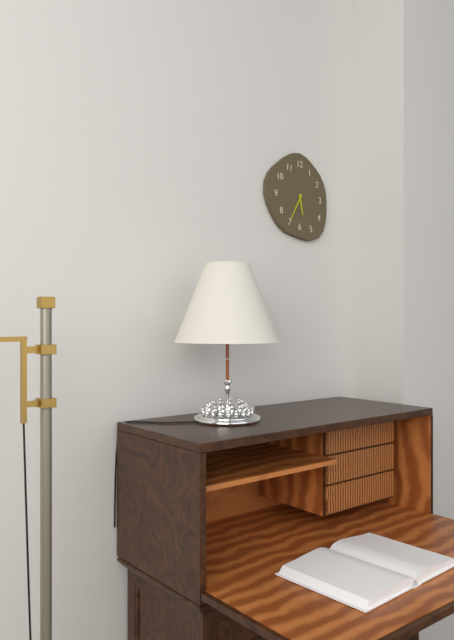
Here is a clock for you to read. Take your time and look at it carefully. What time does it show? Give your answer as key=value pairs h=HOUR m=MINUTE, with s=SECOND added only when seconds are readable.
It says h=5 m=35
